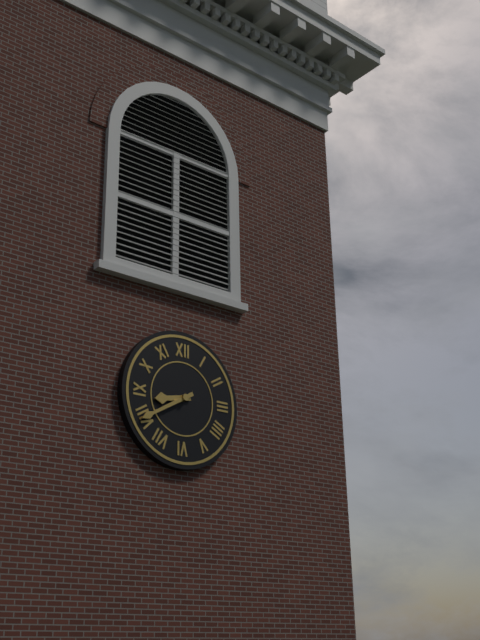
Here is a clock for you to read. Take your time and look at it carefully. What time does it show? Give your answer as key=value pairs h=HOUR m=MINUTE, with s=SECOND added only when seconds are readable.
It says h=8 m=40
